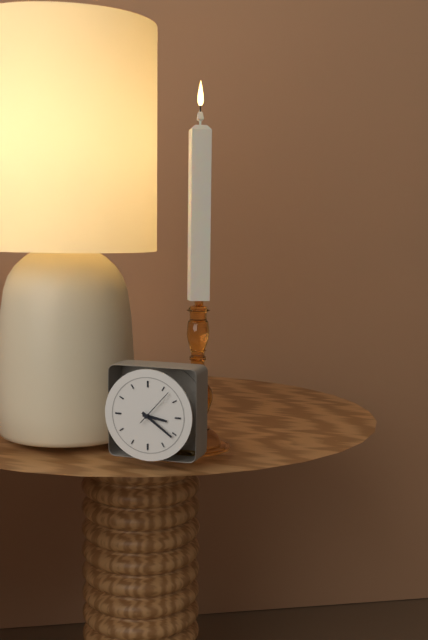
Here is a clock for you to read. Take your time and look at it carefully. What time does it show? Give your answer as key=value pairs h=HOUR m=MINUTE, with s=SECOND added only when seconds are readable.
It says h=3 m=21
